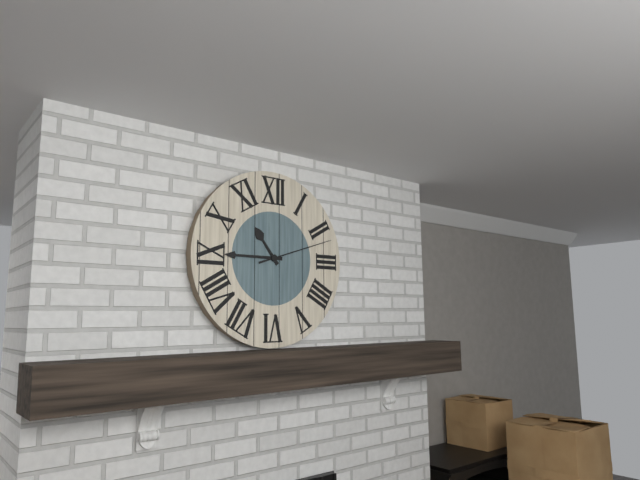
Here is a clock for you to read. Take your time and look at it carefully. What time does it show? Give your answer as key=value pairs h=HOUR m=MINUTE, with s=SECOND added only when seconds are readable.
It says h=10 m=45 s=12
